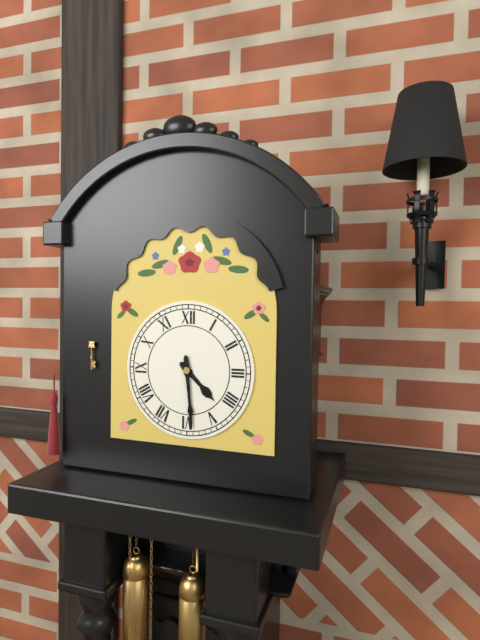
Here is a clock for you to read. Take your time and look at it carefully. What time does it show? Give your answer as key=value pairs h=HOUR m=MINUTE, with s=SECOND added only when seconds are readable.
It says h=4 m=29
